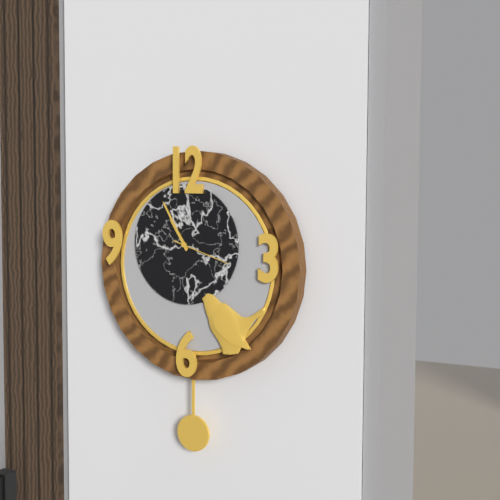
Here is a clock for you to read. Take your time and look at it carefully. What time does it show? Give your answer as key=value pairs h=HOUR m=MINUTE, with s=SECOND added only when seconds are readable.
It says h=10 m=55 s=18
